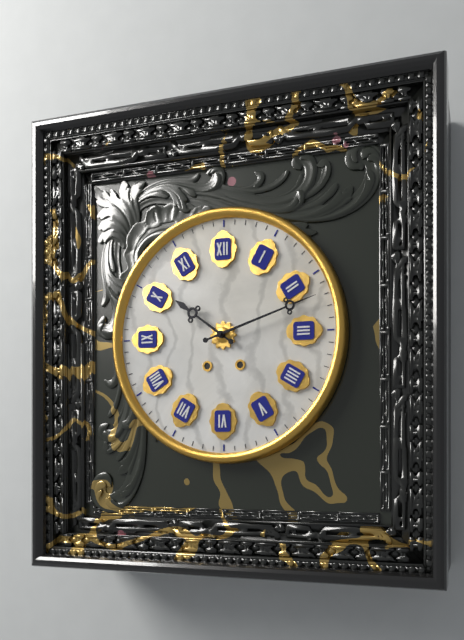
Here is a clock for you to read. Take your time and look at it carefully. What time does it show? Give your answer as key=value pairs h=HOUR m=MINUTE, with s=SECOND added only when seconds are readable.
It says h=10 m=12
